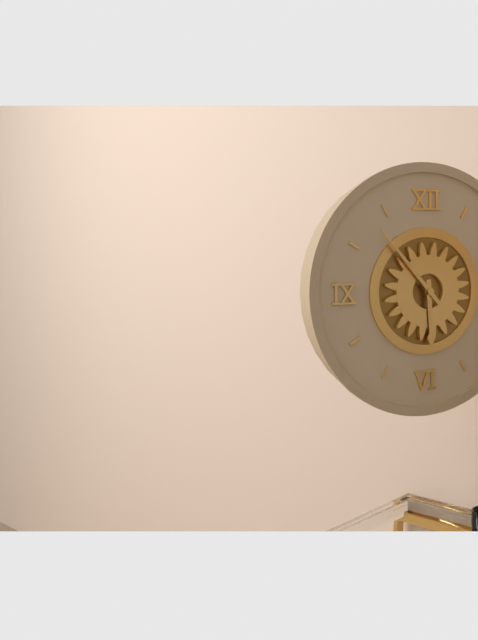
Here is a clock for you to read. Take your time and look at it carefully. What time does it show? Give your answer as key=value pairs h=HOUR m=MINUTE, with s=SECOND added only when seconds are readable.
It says h=5 m=53
